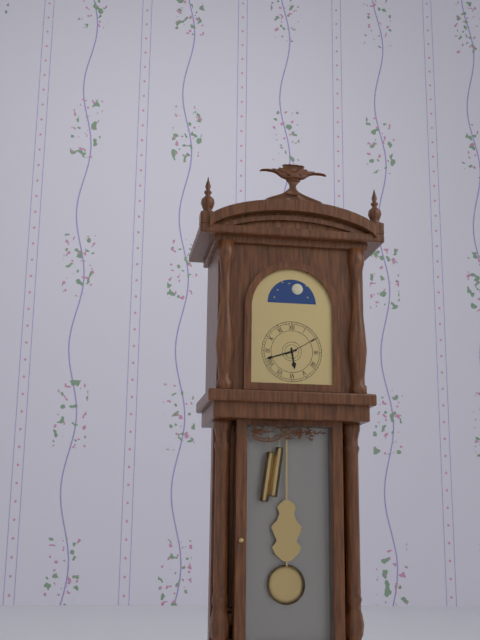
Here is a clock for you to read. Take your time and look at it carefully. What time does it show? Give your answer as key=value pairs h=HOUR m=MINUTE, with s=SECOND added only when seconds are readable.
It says h=5 m=42
